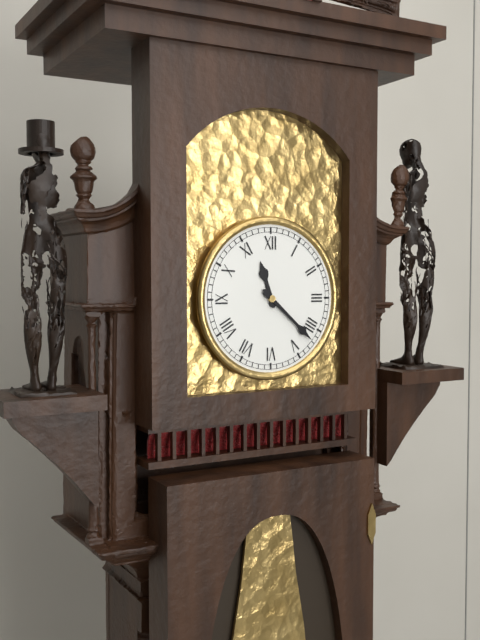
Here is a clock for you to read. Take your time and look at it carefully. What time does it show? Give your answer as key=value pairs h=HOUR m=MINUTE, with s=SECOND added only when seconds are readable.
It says h=11 m=22
